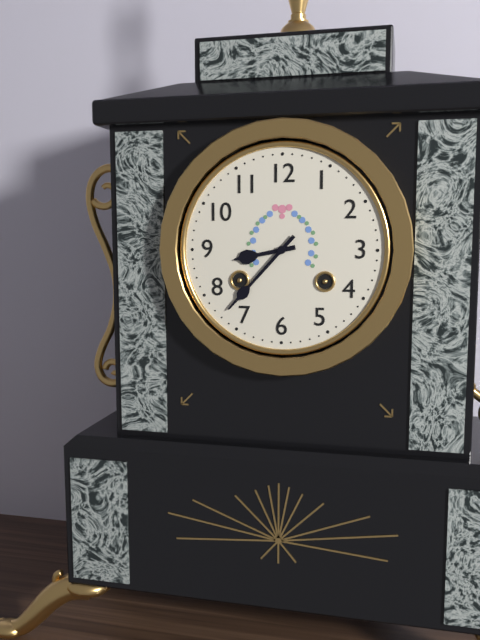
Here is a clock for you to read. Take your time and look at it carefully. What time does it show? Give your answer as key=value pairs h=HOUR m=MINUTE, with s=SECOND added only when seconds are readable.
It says h=8 m=37
